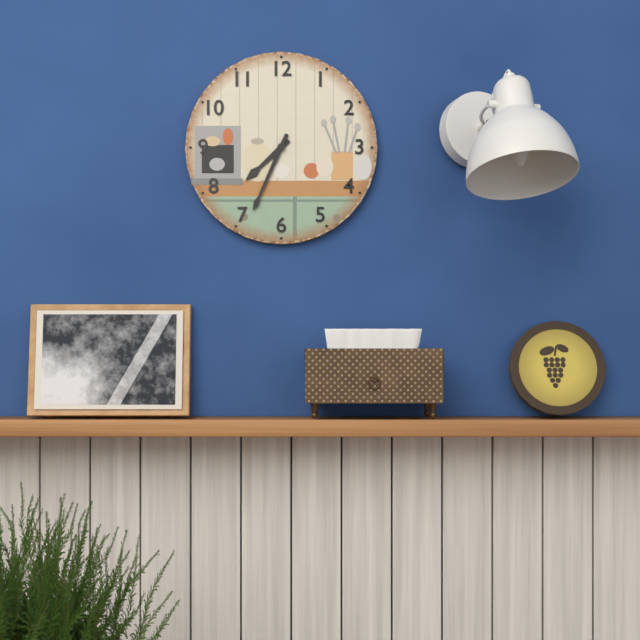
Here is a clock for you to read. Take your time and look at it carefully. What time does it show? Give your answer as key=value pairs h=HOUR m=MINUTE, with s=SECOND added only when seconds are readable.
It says h=7 m=34
